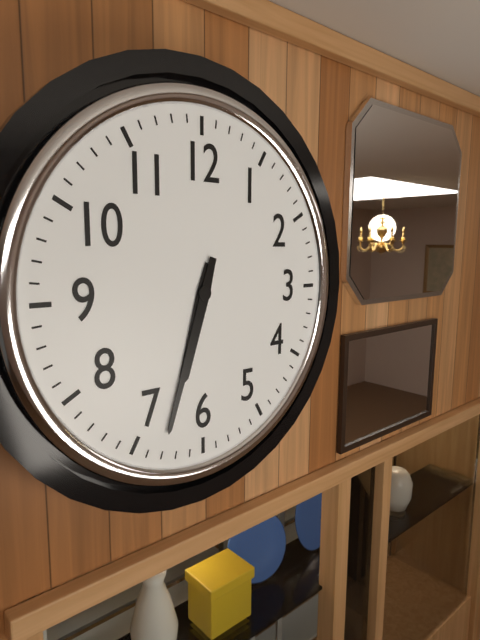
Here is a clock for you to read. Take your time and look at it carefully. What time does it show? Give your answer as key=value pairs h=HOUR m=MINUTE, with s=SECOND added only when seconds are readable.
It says h=6 m=33
